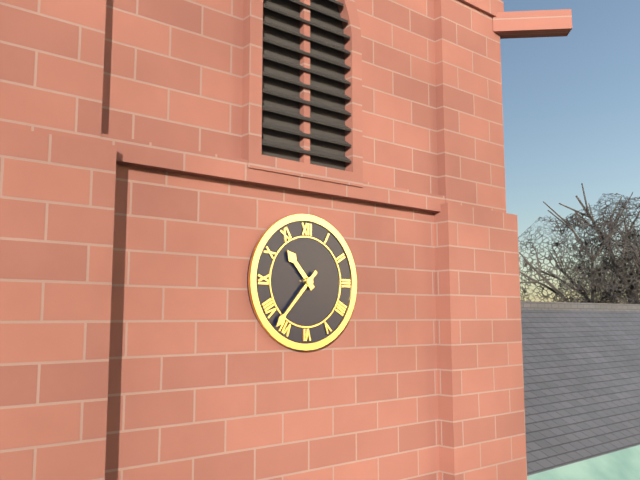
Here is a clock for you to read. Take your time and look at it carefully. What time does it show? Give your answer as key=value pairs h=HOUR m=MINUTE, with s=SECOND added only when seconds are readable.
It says h=10 m=37
